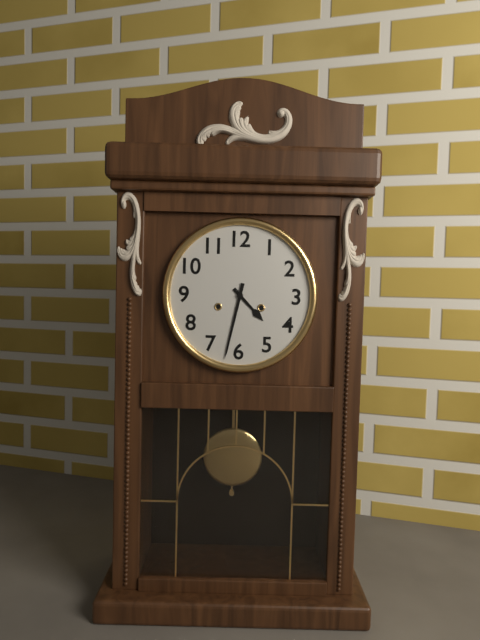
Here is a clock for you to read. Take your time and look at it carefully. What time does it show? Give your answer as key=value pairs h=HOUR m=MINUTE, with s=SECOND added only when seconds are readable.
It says h=4 m=32
